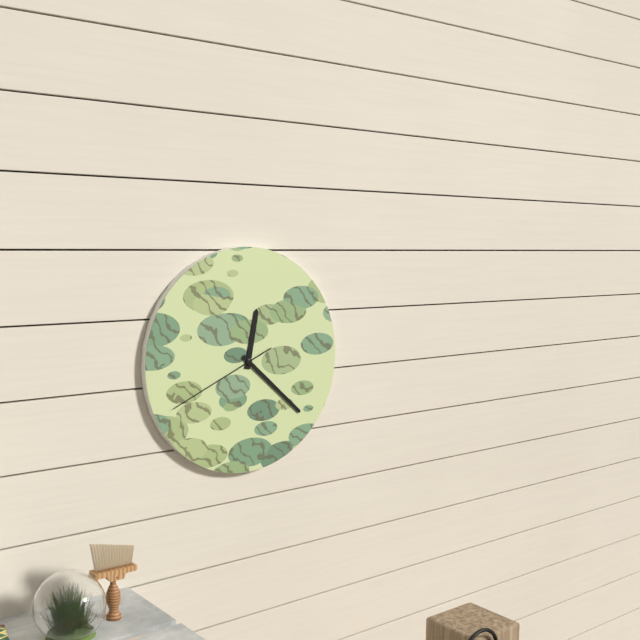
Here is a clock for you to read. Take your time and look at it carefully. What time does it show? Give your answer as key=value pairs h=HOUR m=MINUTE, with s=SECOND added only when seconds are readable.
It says h=12 m=22 s=41
